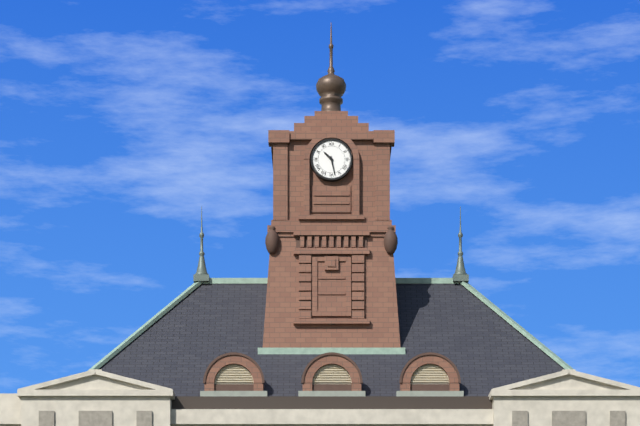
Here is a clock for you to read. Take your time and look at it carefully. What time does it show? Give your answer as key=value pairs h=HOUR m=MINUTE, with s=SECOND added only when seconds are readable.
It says h=10 m=28
